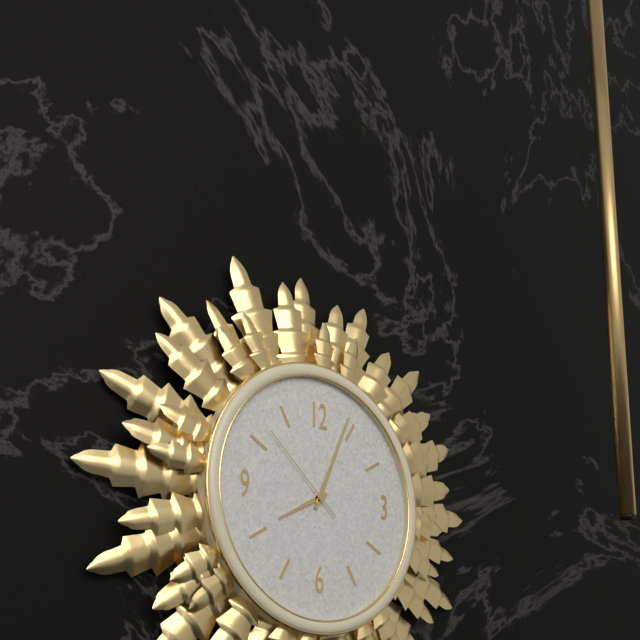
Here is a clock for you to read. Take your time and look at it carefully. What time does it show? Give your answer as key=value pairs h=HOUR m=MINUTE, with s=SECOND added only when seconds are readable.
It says h=8 m=4 s=52
